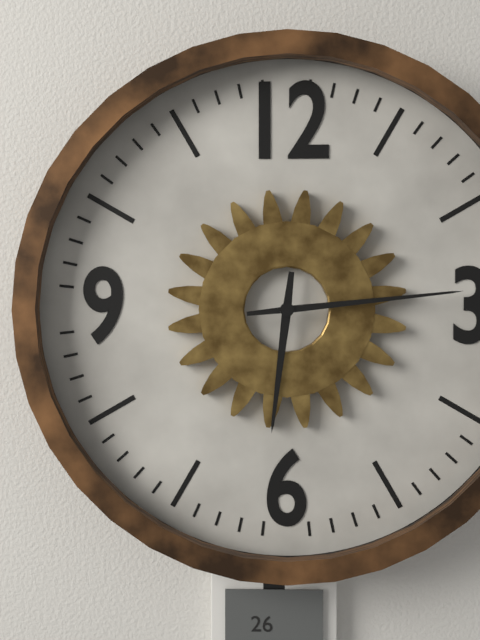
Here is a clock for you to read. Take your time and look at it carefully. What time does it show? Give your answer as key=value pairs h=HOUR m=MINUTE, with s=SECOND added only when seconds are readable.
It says h=6 m=14
